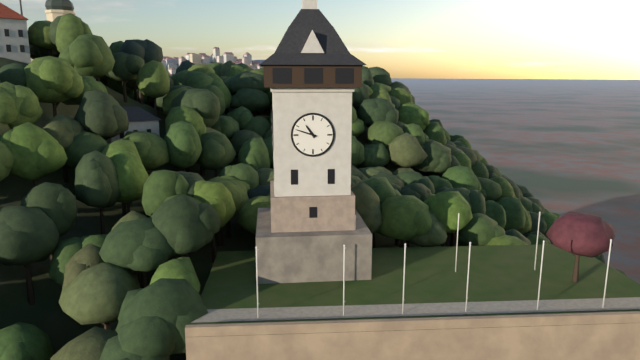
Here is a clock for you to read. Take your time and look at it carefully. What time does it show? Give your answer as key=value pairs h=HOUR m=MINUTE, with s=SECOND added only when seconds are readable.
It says h=10 m=48
